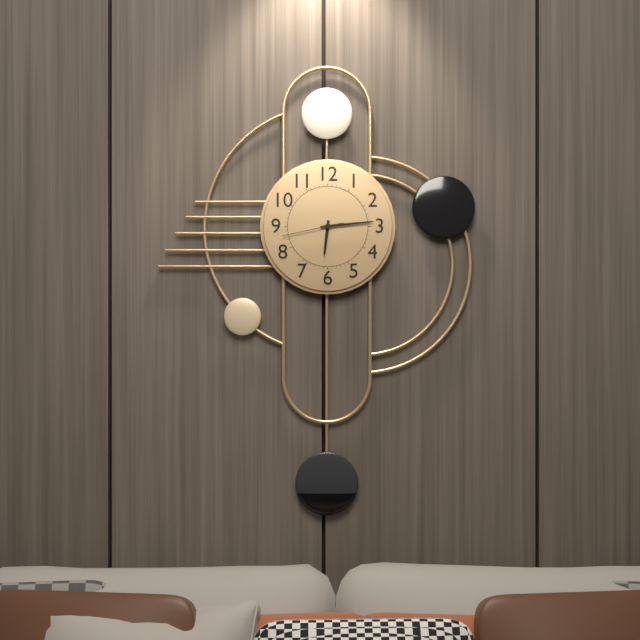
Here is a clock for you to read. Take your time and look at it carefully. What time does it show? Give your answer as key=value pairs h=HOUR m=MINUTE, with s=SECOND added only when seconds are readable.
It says h=6 m=14 s=43
